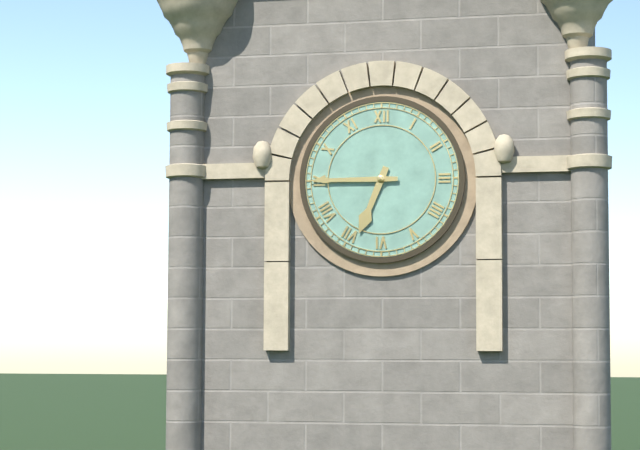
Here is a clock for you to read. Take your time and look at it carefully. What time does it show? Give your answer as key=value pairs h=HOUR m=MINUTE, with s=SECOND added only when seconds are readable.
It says h=6 m=45
